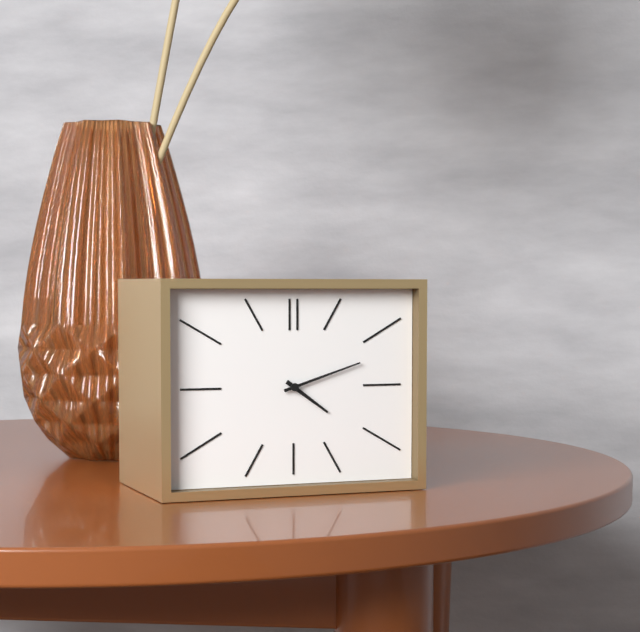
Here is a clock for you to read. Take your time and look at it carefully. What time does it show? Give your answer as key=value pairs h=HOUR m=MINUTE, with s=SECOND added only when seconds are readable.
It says h=4 m=12
